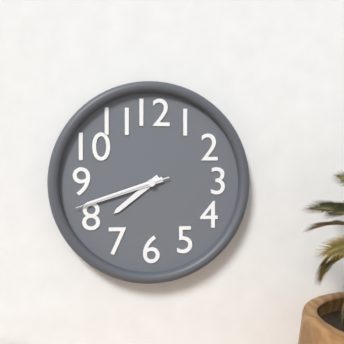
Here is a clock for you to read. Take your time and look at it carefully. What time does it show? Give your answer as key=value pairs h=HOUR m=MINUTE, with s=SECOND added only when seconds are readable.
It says h=7 m=42 s=42
